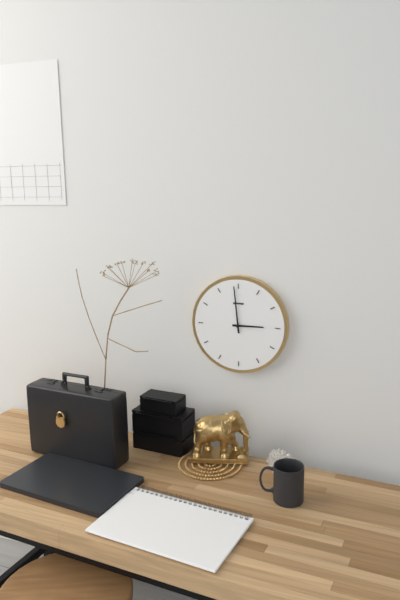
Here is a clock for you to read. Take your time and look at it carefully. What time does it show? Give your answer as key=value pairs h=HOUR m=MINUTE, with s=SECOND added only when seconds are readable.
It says h=2 m=59
